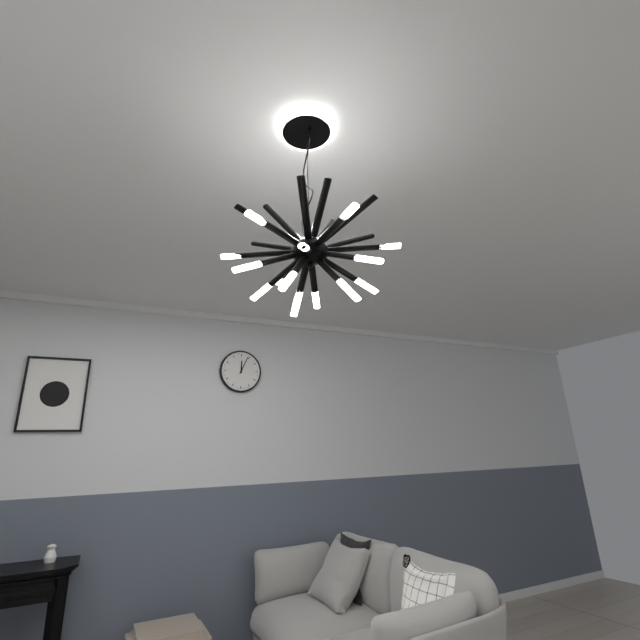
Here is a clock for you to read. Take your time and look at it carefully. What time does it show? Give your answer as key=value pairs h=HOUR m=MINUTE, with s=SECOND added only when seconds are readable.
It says h=12 m=4
